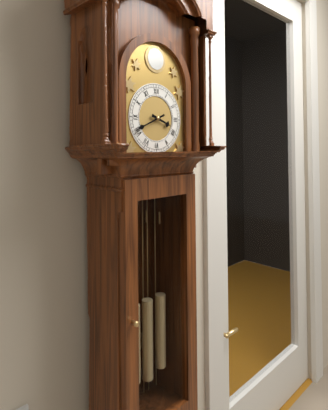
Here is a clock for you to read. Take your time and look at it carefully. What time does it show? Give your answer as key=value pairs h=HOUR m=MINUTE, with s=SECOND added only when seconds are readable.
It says h=3 m=41
